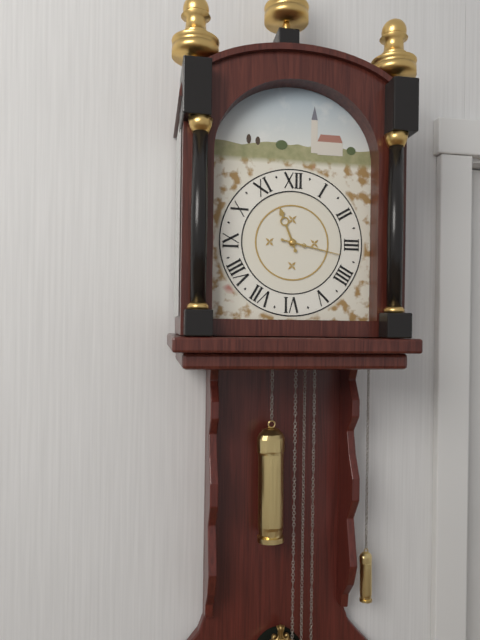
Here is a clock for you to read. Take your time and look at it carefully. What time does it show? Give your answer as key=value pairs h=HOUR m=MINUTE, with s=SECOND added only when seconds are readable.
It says h=11 m=17
